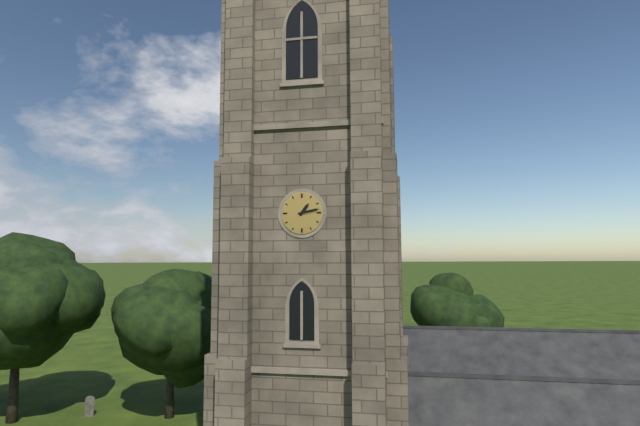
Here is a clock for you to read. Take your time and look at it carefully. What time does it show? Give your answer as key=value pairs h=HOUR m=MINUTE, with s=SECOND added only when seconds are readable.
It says h=1 m=13
